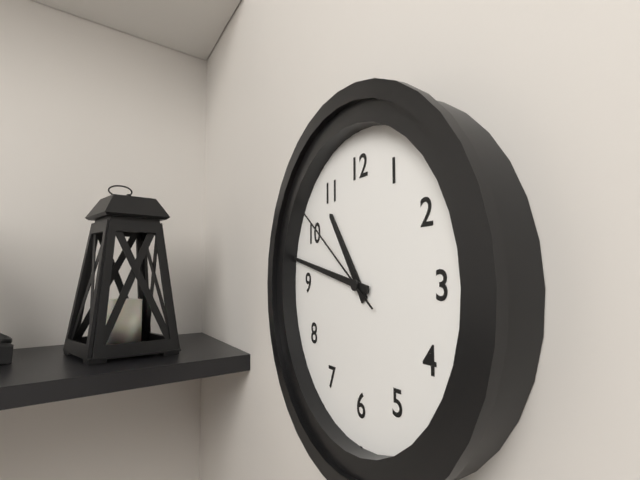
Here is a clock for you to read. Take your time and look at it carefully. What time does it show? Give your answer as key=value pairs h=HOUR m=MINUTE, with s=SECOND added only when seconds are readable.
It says h=10 m=47 s=51
